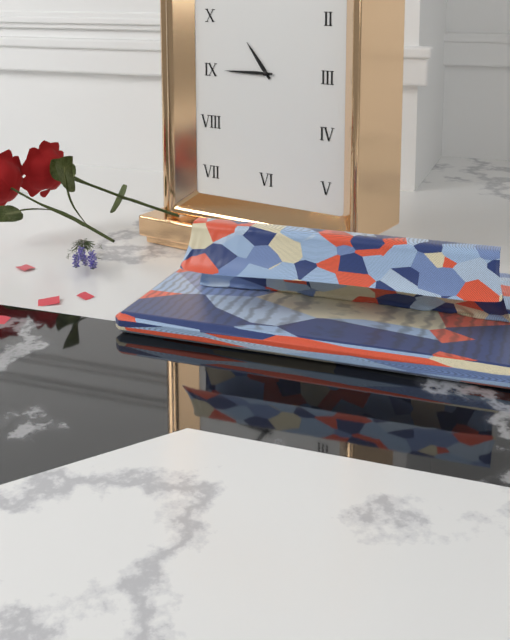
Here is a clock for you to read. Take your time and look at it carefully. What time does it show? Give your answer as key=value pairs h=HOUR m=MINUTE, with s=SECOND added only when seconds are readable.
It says h=10 m=45
